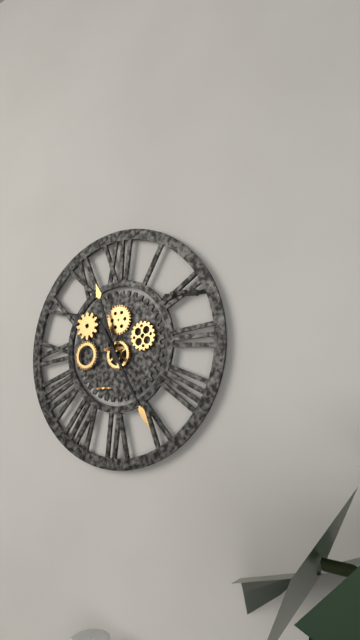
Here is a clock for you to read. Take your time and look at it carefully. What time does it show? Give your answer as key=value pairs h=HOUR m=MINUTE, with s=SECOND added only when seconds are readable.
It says h=11 m=25
